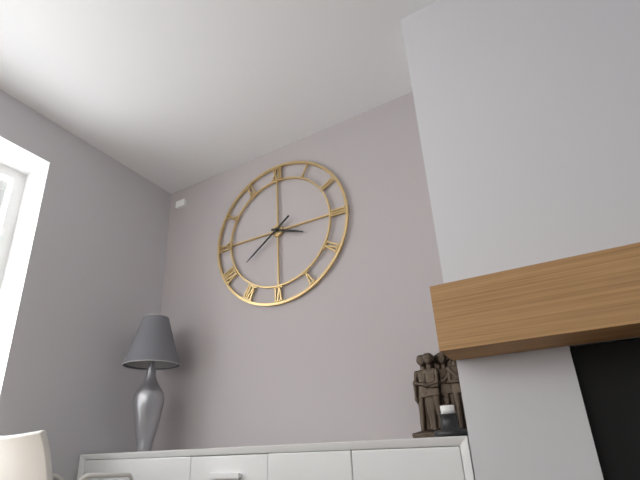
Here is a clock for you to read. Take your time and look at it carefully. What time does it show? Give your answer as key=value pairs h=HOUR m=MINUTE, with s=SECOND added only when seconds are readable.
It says h=3 m=39
